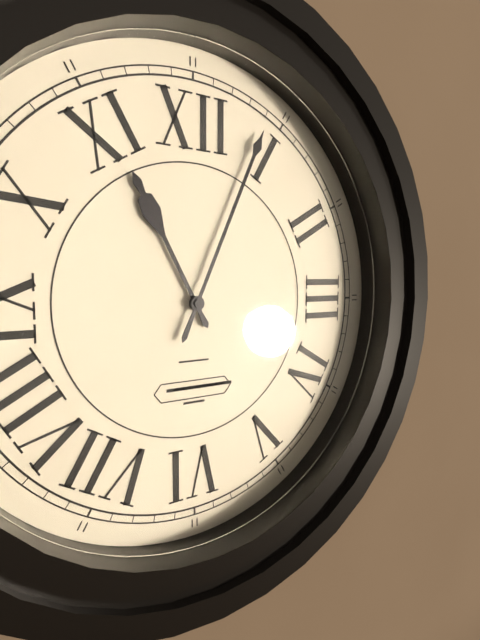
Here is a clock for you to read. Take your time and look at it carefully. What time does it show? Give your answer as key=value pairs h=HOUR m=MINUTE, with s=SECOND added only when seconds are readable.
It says h=11 m=4
